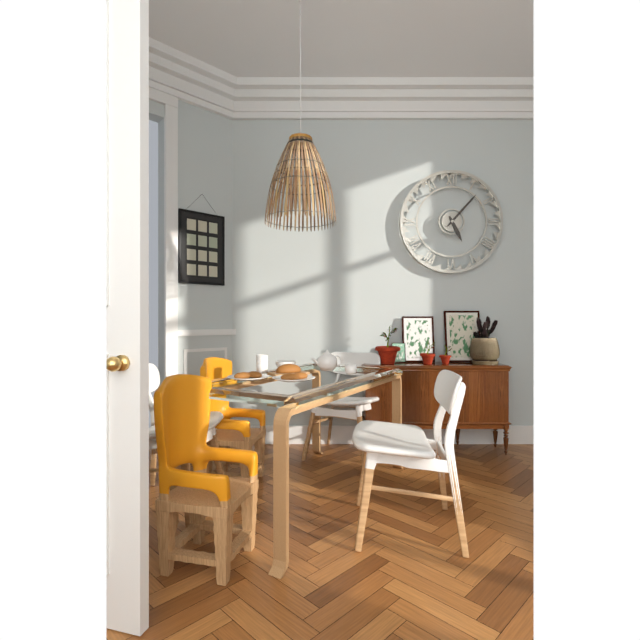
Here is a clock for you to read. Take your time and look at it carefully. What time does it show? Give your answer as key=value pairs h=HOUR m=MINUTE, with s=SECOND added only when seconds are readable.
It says h=5 m=7
